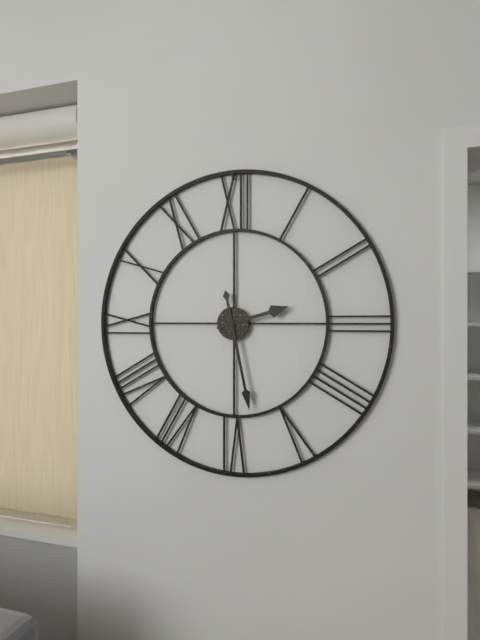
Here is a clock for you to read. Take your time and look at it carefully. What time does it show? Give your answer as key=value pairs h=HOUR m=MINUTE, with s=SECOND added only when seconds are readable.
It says h=2 m=28
